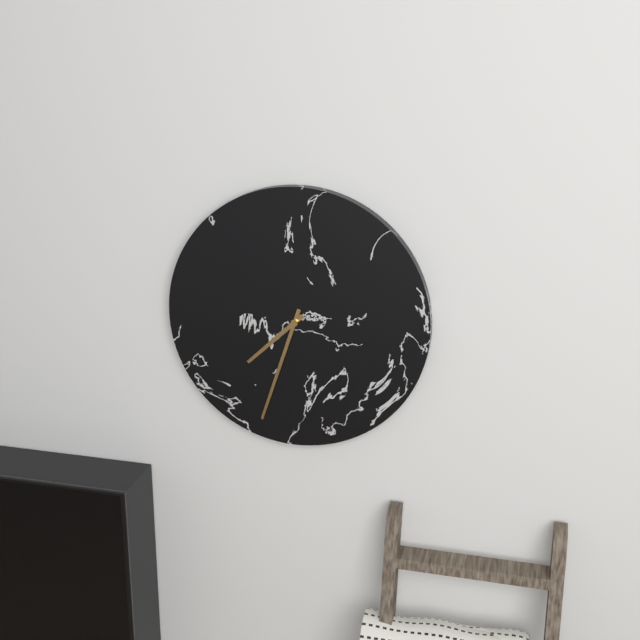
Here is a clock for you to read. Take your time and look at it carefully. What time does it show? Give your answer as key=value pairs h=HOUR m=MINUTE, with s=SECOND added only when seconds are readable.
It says h=7 m=33
